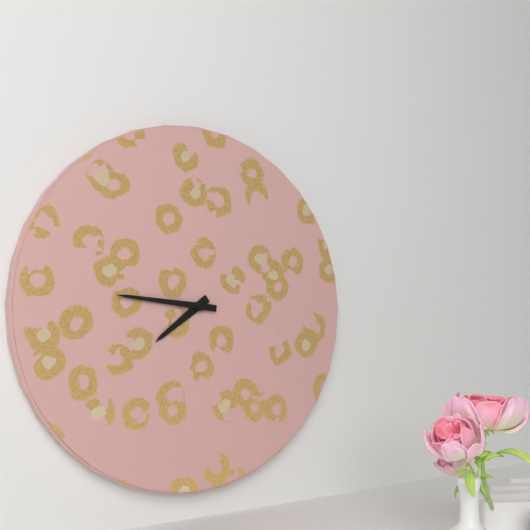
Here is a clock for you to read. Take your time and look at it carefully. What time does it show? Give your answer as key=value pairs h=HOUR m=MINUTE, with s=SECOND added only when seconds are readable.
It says h=7 m=46
